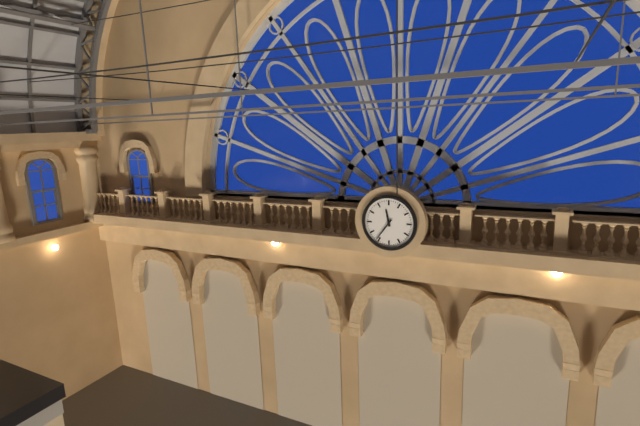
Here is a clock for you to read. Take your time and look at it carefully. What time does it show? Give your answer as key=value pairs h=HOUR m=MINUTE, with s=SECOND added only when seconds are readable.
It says h=11 m=36
